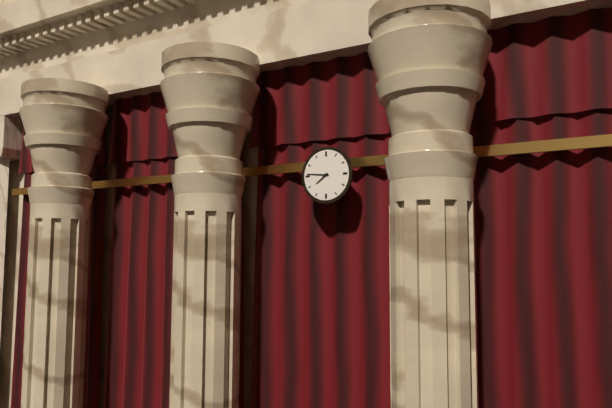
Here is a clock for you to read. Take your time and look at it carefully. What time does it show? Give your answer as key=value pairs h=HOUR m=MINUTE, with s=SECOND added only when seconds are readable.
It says h=7 m=46
